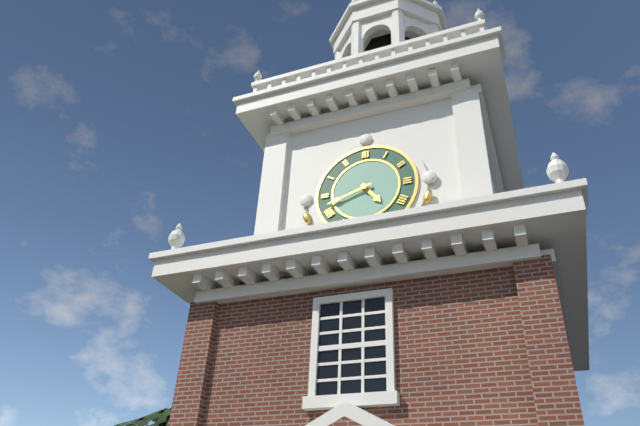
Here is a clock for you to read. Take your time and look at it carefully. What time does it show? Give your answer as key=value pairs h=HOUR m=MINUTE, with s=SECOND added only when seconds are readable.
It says h=4 m=42
